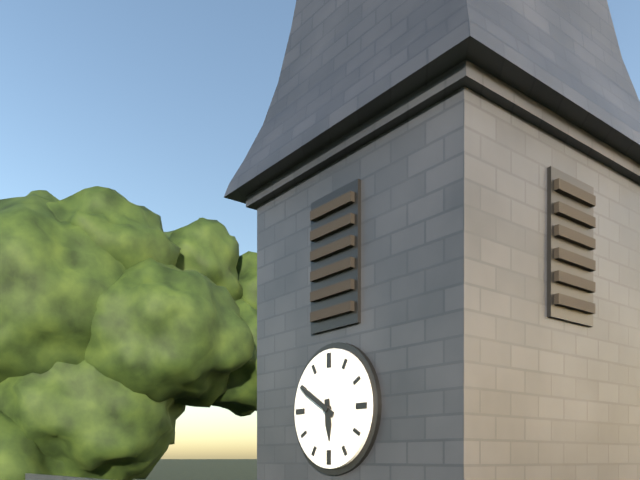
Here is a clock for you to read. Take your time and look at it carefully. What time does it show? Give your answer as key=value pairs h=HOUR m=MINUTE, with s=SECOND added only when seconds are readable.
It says h=5 m=50
